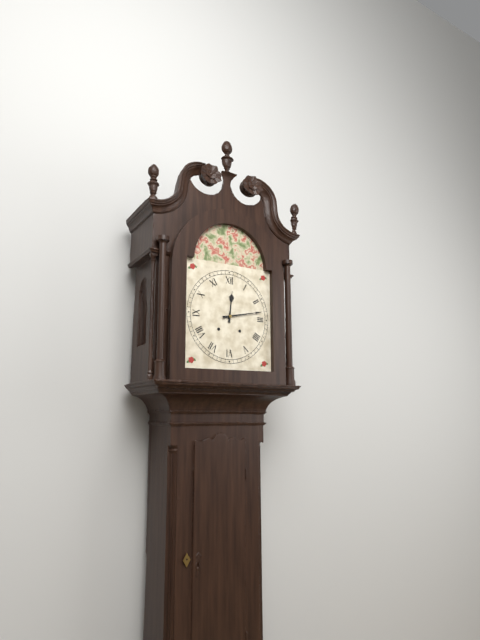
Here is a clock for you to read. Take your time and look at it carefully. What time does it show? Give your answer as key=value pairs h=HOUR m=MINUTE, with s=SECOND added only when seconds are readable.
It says h=12 m=13
